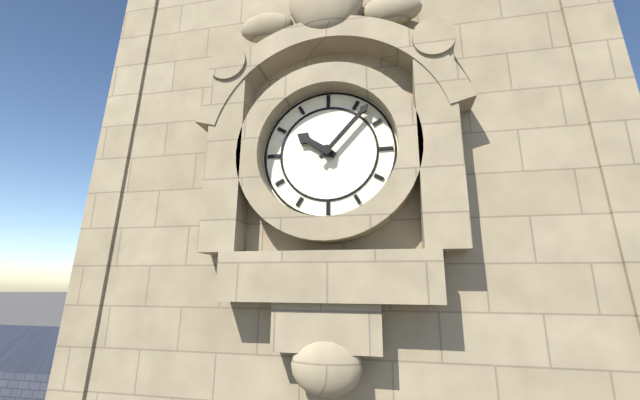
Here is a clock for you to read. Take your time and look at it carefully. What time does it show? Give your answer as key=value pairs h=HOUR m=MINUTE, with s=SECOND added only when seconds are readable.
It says h=10 m=7
